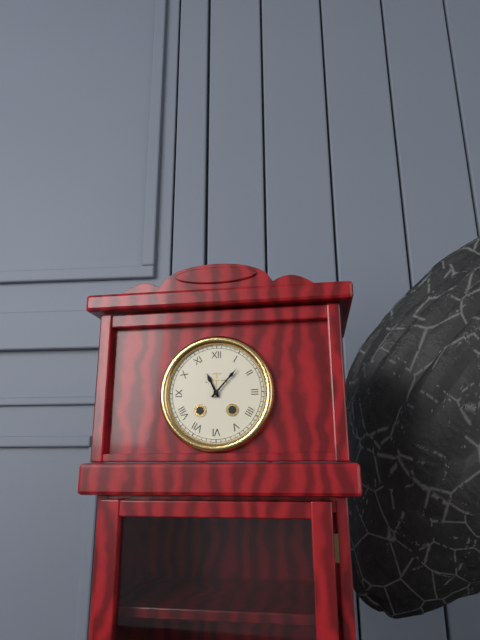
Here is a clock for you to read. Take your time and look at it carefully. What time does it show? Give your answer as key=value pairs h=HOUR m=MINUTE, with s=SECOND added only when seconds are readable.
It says h=11 m=7
